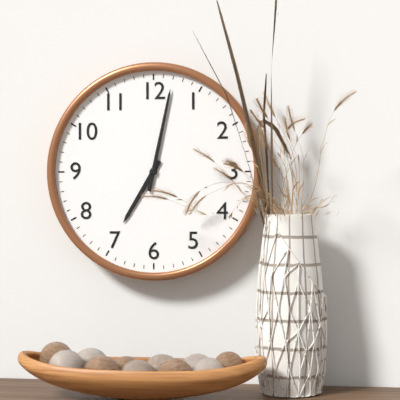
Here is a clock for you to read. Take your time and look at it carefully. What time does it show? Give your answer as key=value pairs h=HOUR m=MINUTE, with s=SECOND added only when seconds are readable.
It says h=7 m=2
